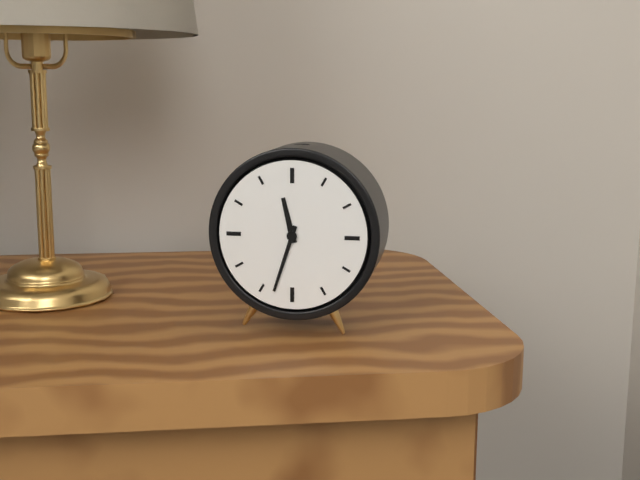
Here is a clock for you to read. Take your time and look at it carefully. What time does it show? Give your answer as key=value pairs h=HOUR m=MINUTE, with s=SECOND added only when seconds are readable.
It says h=11 m=33
